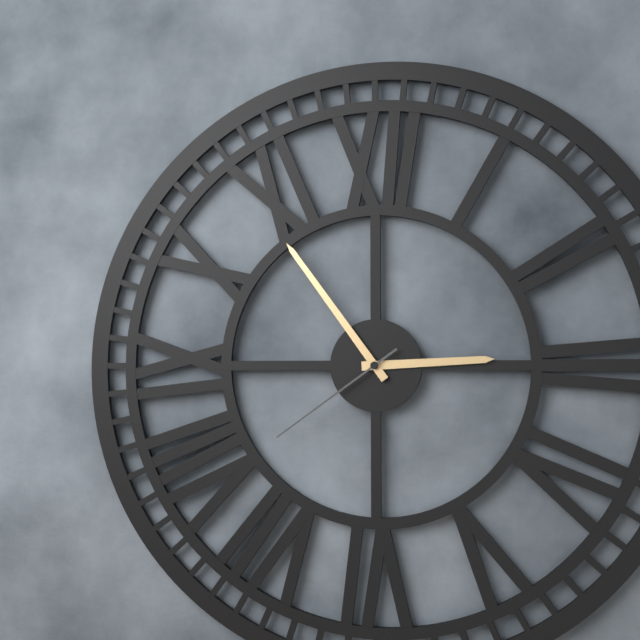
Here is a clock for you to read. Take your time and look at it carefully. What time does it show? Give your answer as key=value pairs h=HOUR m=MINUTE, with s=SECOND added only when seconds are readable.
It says h=2 m=54 s=39
